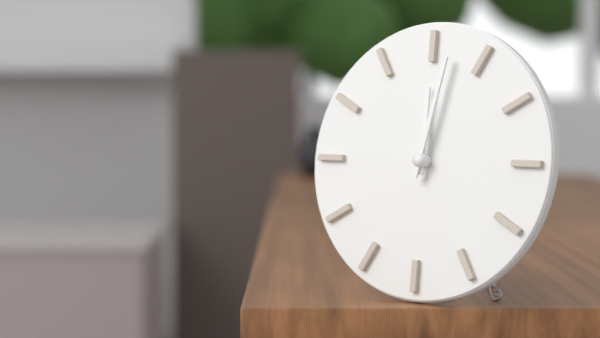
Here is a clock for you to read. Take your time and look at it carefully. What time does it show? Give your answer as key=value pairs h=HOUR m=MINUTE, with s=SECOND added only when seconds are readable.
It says h=12 m=2
